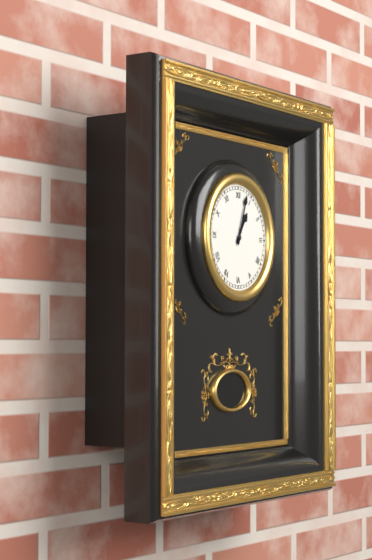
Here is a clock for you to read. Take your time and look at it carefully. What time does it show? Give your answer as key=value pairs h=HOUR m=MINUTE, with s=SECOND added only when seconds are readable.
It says h=1 m=3
